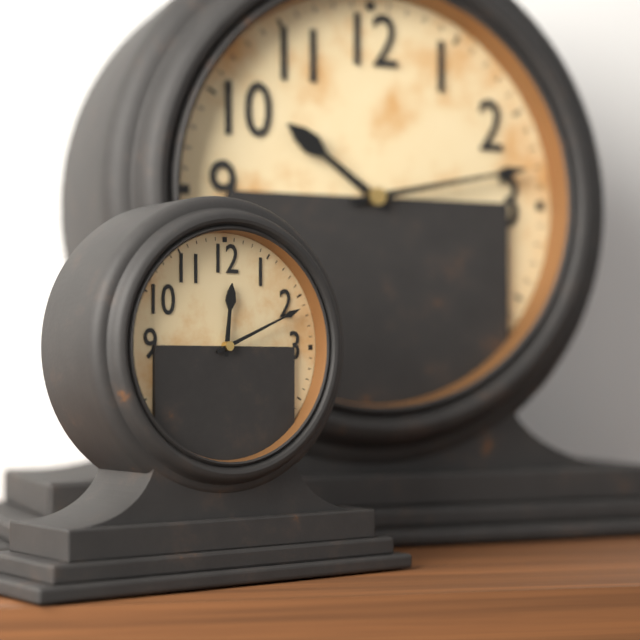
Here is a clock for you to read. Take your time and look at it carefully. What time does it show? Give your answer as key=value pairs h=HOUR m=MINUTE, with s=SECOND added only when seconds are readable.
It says h=12 m=11
